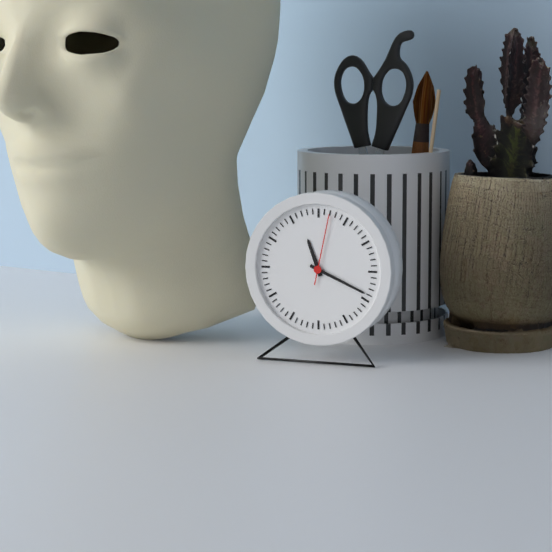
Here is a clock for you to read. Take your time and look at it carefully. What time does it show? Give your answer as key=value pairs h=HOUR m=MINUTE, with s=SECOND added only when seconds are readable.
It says h=11 m=19 s=2
